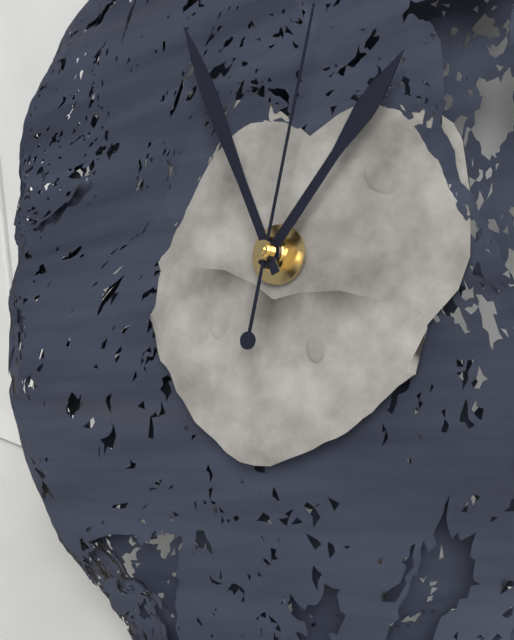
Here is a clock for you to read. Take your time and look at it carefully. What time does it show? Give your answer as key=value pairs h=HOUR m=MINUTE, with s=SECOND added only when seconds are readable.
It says h=12 m=54 s=0
